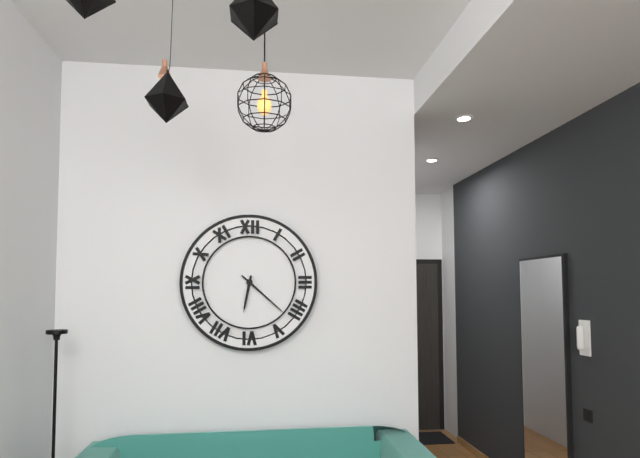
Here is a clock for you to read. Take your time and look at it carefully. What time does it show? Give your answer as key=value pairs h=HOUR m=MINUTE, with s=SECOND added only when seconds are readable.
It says h=6 m=22
